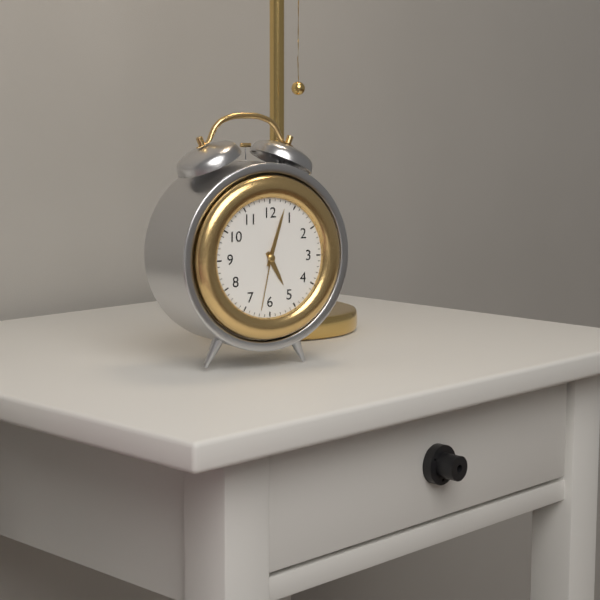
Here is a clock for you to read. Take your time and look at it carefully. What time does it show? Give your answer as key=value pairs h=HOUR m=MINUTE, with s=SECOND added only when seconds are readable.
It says h=5 m=3 s=32
